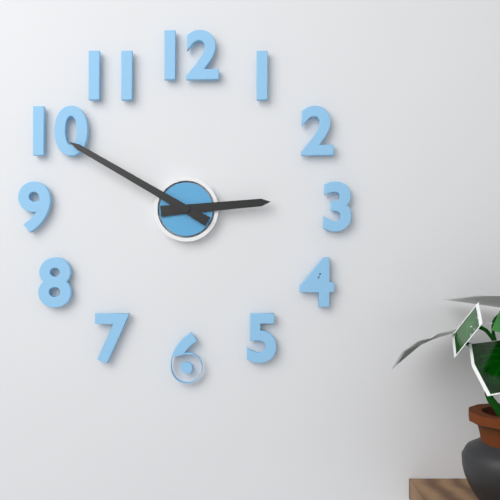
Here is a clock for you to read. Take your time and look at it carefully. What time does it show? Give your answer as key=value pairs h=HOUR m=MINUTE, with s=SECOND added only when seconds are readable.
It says h=2 m=50
